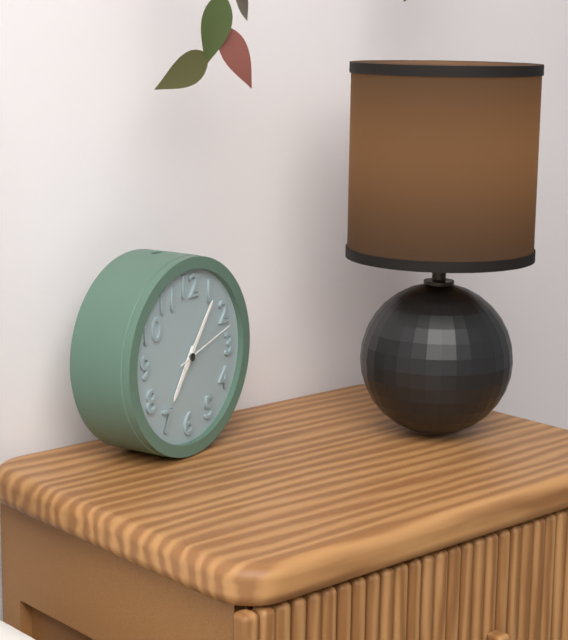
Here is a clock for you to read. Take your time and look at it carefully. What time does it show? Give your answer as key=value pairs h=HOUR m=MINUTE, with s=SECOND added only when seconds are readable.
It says h=7 m=6 s=12
